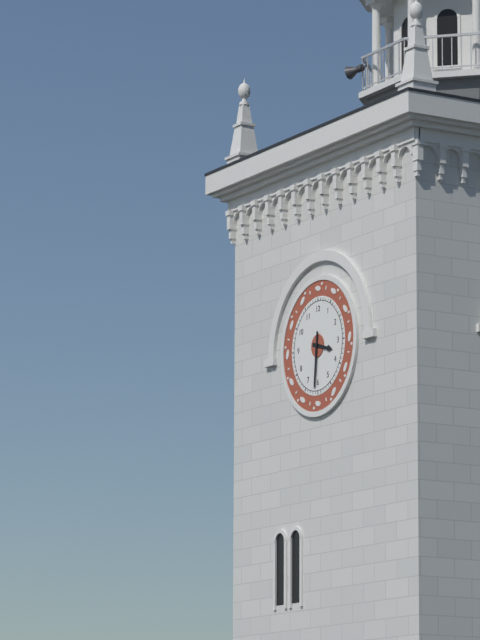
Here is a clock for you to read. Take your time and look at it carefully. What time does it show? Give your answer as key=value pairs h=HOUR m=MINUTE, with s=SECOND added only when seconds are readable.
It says h=3 m=31
